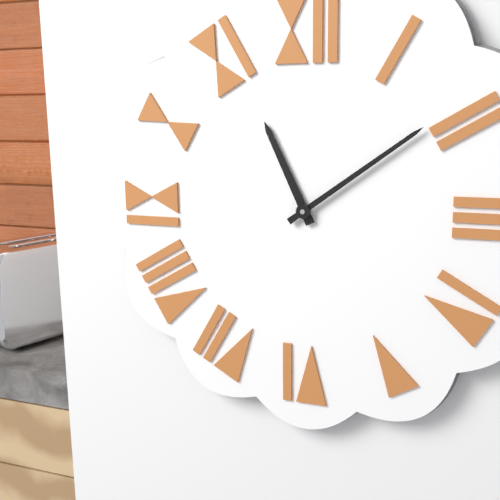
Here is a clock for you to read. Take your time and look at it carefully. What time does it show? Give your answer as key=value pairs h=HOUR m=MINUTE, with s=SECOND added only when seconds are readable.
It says h=11 m=9
